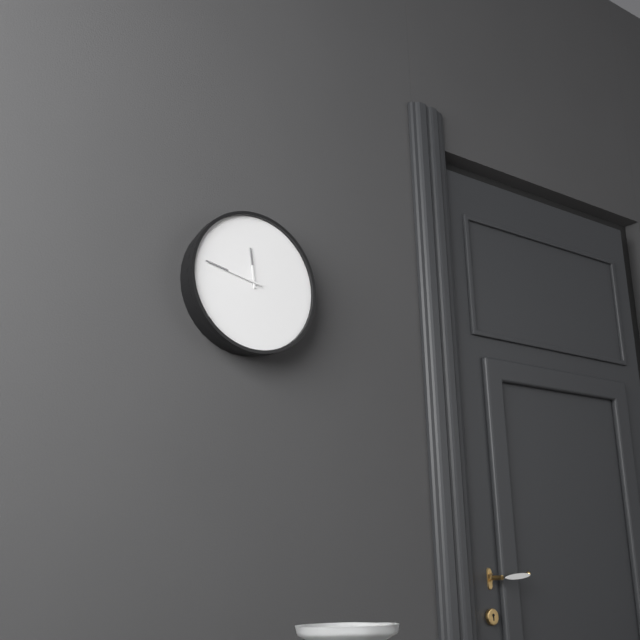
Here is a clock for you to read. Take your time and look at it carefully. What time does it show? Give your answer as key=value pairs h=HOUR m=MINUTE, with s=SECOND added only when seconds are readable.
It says h=11 m=47
